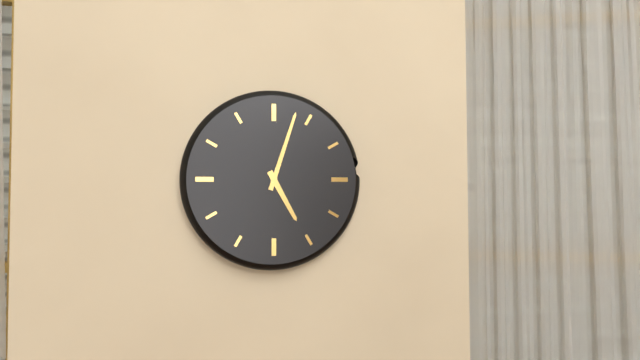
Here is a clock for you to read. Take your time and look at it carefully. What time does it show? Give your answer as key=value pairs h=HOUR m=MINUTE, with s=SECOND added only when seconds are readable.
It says h=5 m=3
